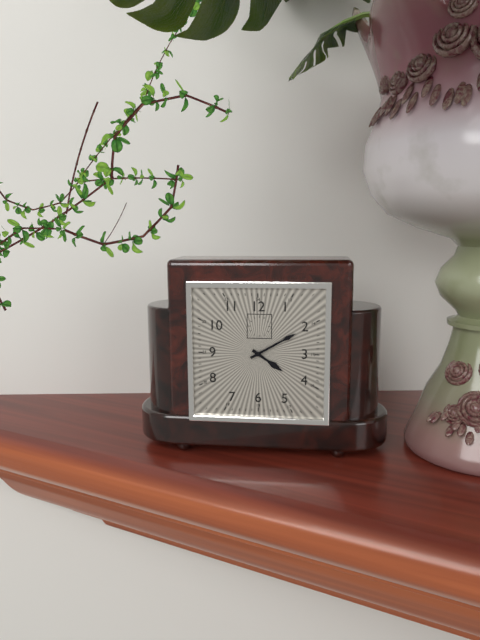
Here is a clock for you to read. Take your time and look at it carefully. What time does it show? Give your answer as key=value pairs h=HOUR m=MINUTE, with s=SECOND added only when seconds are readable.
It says h=4 m=10
